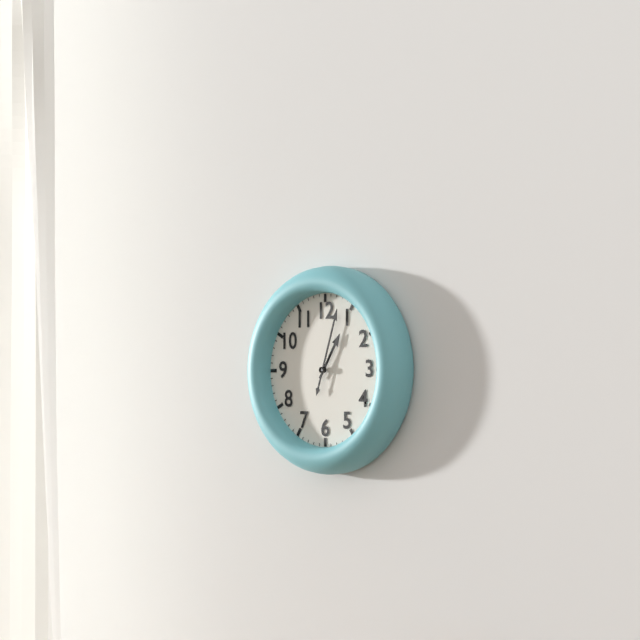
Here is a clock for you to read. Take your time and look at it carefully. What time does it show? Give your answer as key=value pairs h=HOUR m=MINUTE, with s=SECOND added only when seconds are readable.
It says h=1 m=3
